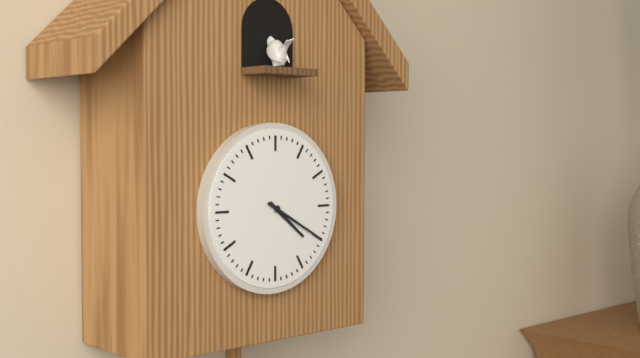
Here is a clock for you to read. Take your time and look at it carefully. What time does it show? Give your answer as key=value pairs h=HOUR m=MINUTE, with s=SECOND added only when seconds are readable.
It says h=4 m=20
